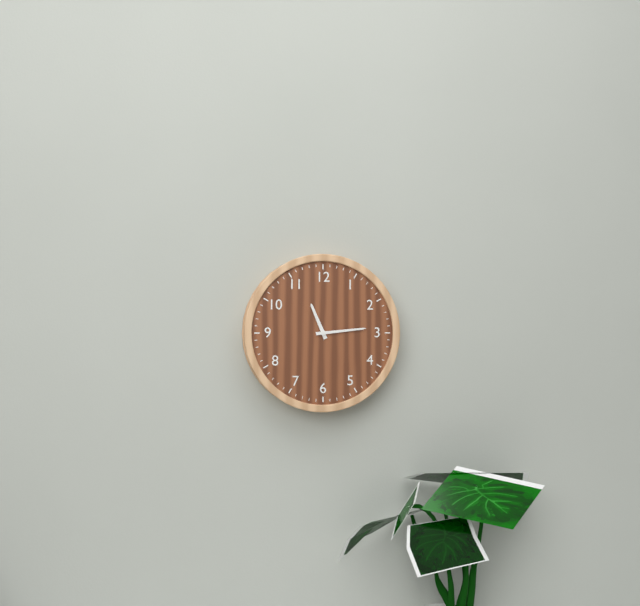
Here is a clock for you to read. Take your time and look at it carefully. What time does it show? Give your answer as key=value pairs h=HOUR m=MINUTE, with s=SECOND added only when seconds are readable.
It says h=11 m=14
